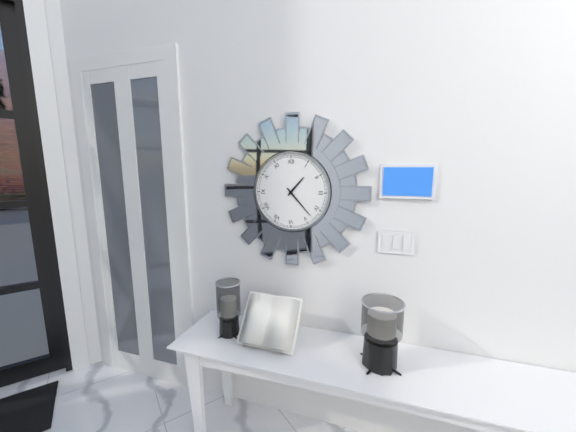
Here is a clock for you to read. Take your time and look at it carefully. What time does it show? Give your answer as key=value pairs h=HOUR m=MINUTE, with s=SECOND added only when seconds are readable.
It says h=1 m=23
